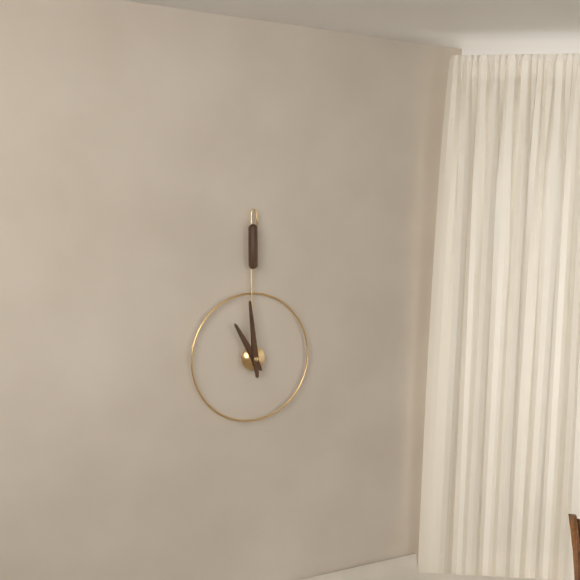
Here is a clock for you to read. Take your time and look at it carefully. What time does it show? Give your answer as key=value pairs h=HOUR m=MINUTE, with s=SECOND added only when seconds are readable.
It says h=10 m=59
